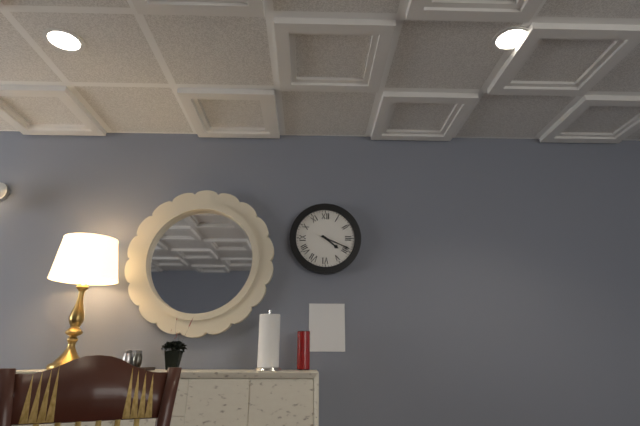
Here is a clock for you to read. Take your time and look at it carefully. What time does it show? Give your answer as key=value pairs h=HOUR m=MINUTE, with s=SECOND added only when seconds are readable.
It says h=4 m=19
